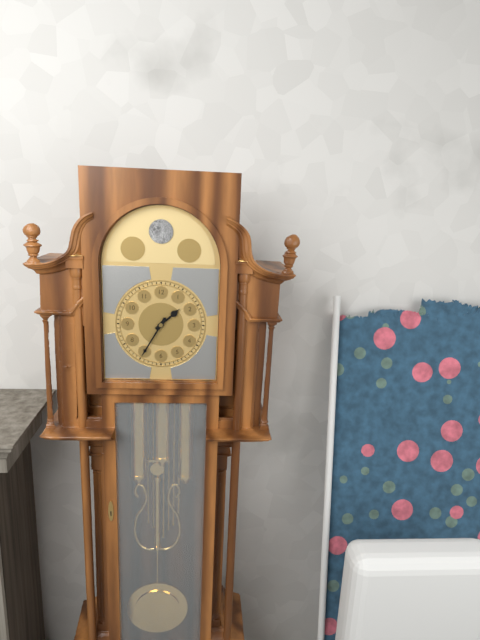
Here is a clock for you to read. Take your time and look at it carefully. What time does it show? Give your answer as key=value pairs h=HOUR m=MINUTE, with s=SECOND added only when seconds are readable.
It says h=1 m=35
